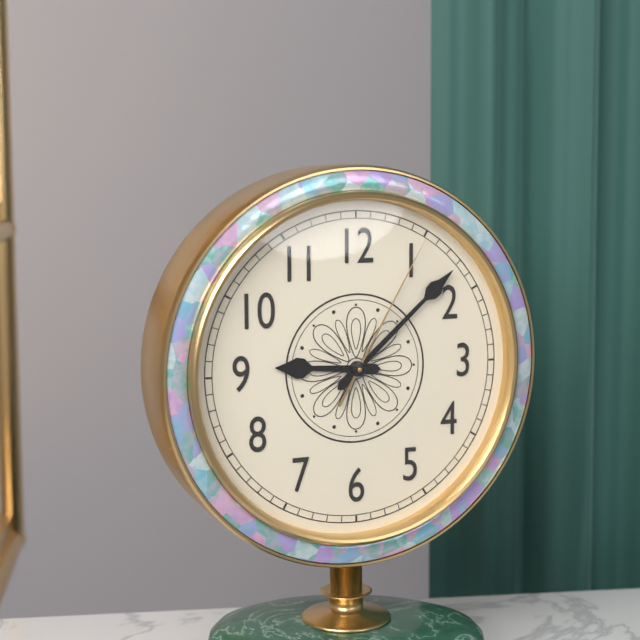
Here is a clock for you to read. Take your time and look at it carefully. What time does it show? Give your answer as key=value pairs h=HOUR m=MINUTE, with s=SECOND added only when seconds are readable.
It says h=9 m=8 s=5
